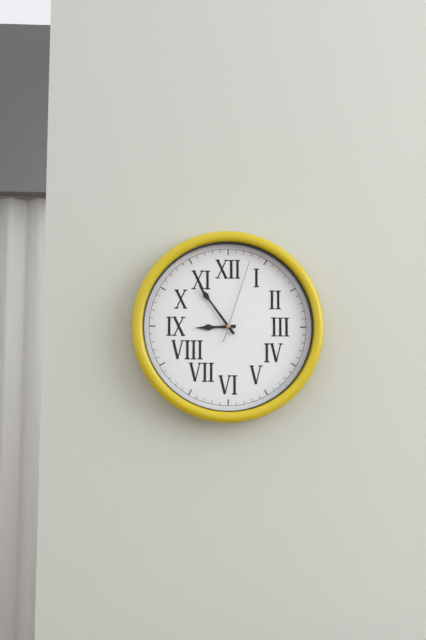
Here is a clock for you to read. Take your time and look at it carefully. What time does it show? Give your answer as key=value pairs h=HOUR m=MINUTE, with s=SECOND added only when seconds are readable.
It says h=8 m=54 s=3
